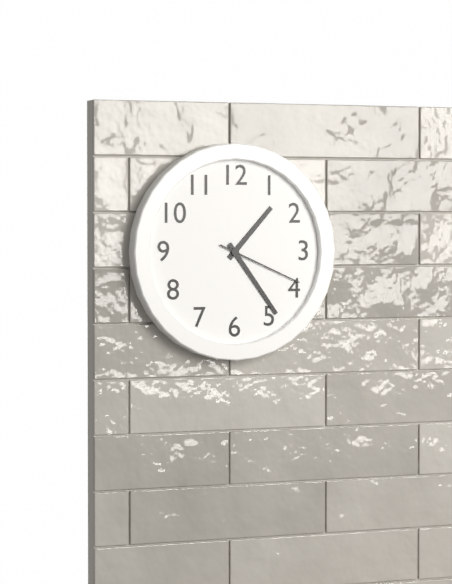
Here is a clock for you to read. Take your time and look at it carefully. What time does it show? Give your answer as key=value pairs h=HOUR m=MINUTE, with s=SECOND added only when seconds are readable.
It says h=1 m=24 s=19
